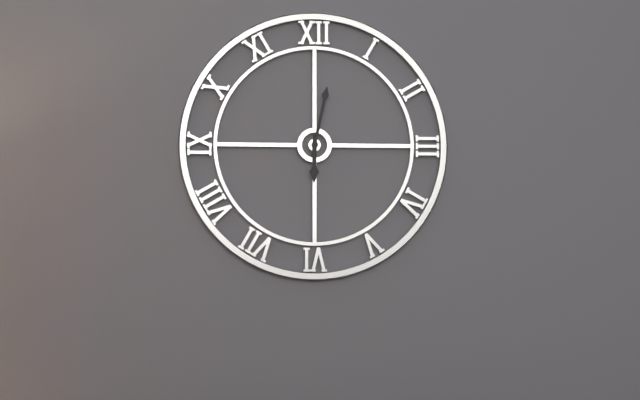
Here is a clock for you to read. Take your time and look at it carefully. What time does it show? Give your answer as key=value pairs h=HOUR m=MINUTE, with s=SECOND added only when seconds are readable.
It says h=6 m=2
